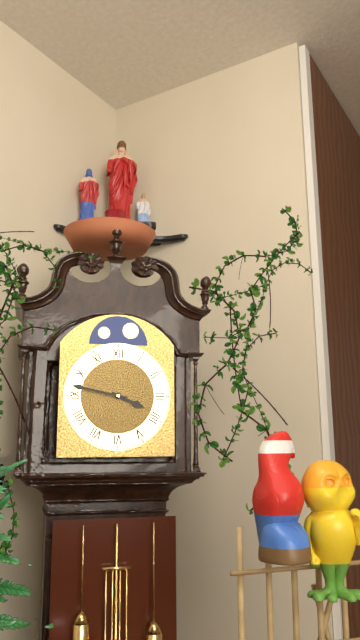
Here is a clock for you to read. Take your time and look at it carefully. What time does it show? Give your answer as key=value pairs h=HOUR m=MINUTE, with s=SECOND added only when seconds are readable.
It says h=3 m=47
